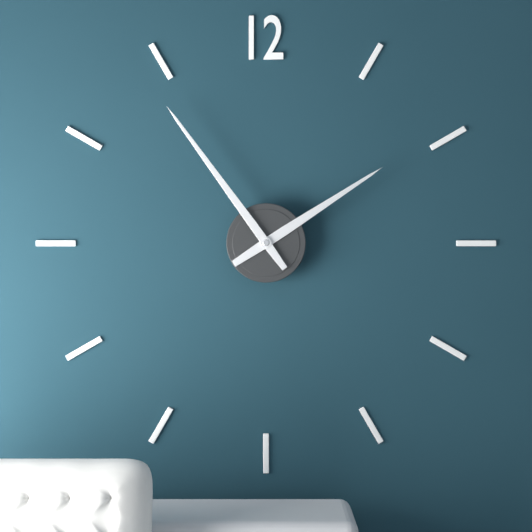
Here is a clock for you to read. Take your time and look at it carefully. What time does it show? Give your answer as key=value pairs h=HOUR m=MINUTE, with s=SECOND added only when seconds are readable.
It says h=1 m=54
